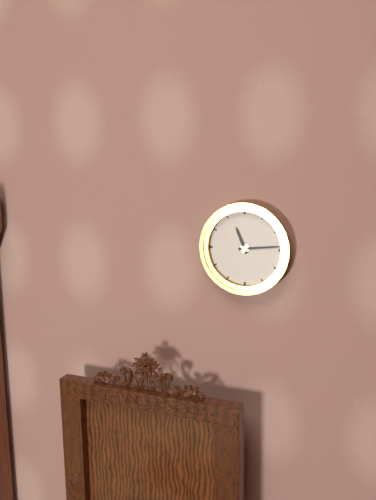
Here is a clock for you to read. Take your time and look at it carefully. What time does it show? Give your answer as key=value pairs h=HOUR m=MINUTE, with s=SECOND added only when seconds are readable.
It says h=11 m=14
